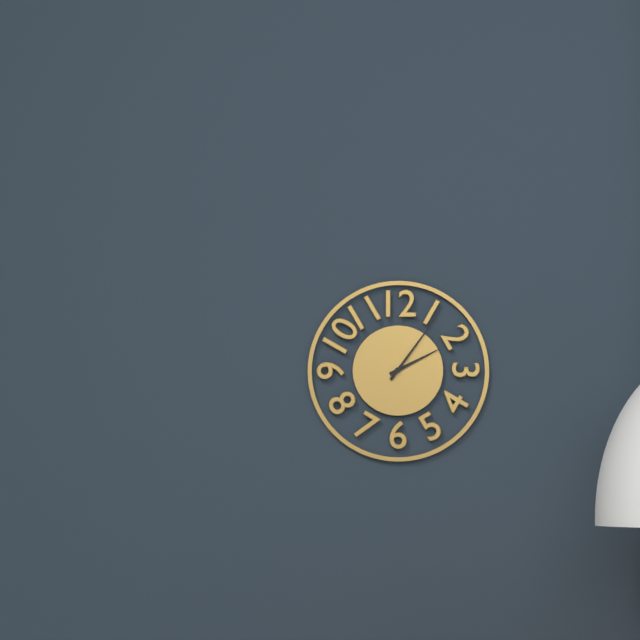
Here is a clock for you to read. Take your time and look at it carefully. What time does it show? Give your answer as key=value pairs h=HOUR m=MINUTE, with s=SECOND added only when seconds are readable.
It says h=2 m=6
